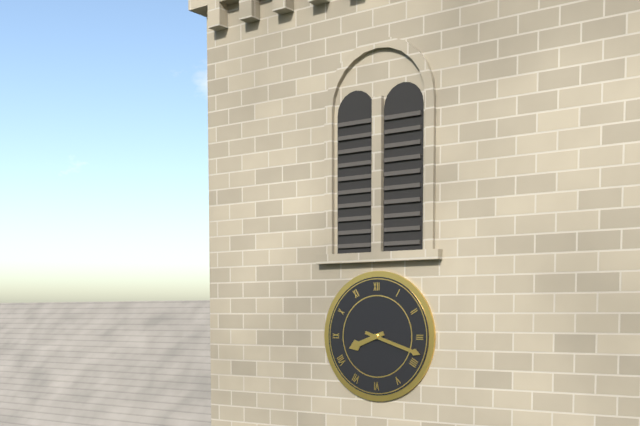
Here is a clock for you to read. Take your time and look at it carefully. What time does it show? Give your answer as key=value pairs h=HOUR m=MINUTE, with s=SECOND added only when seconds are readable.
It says h=8 m=18
